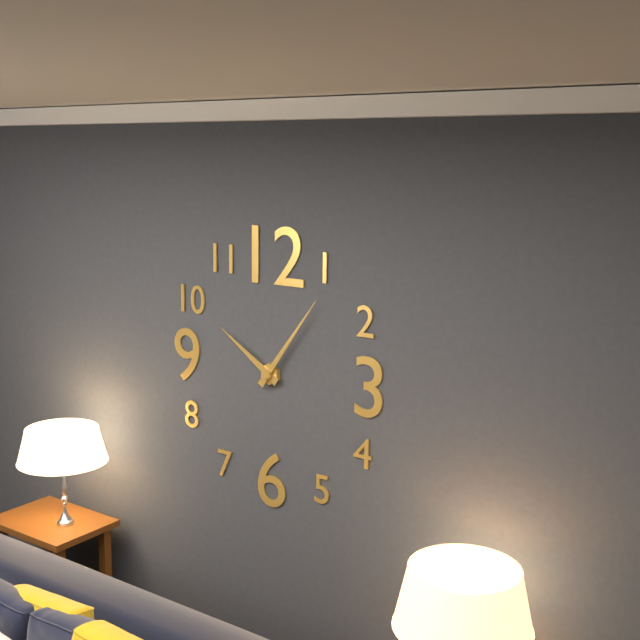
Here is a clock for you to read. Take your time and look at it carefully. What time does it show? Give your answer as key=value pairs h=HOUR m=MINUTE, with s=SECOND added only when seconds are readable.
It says h=10 m=6
